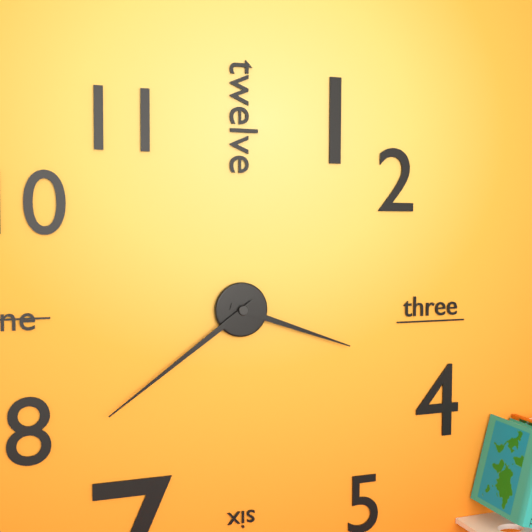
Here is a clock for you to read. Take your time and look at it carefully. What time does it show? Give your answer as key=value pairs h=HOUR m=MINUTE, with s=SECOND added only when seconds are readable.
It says h=3 m=39
